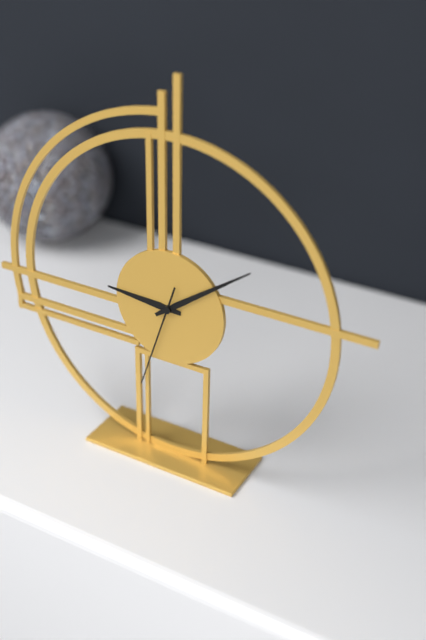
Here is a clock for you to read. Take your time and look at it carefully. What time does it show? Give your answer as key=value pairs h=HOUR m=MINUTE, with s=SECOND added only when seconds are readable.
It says h=9 m=9 s=33
